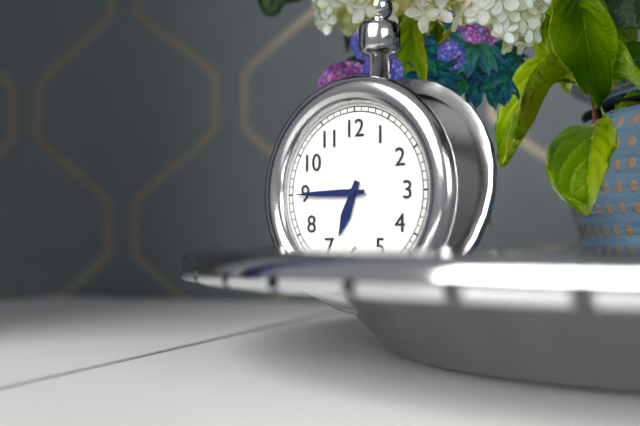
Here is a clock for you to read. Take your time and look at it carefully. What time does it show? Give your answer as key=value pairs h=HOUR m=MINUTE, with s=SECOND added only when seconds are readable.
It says h=6 m=45
